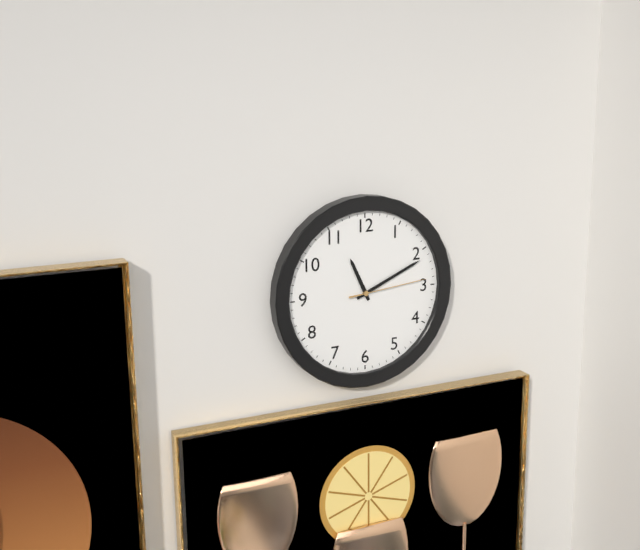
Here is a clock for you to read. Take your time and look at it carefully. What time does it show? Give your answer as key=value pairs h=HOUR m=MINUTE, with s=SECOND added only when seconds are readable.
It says h=11 m=11 s=14
